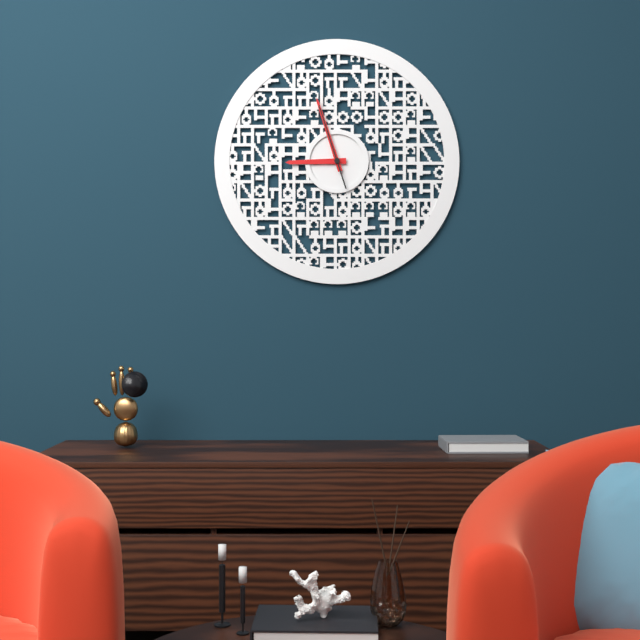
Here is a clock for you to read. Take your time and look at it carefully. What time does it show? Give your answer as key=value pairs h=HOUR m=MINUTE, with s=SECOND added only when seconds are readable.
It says h=8 m=57 s=57
